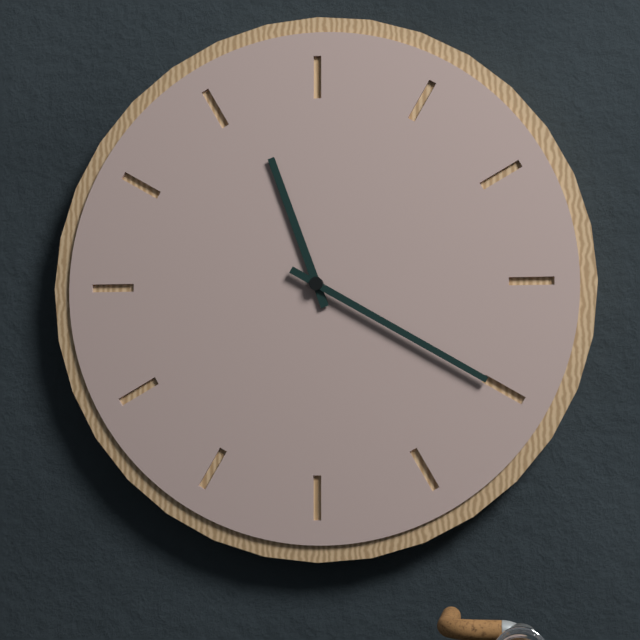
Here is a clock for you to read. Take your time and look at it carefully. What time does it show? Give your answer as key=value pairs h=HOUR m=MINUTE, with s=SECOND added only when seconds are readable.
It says h=11 m=20
